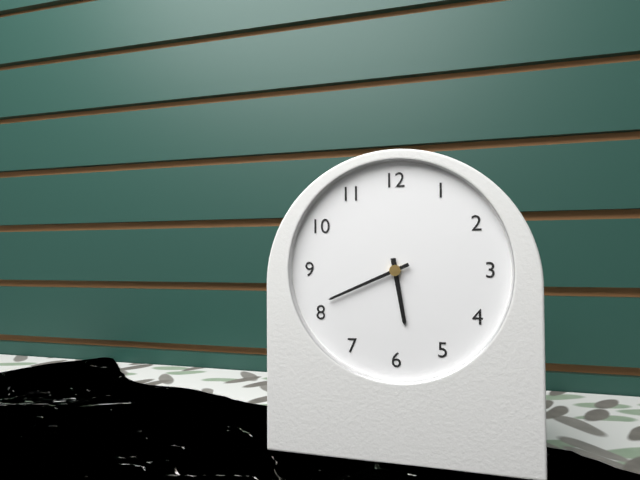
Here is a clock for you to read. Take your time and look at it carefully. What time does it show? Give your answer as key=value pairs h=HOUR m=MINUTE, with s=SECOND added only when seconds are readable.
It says h=5 m=41
